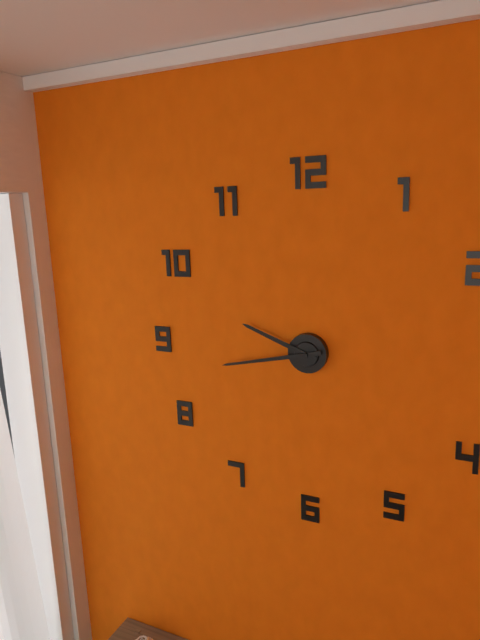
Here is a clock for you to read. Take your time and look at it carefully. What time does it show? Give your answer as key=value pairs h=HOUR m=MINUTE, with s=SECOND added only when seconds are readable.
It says h=9 m=43
